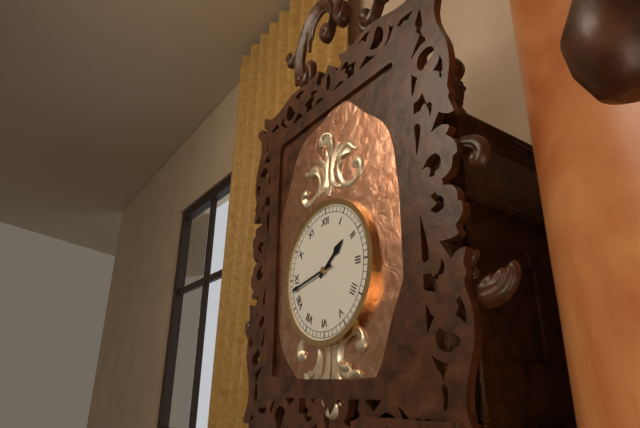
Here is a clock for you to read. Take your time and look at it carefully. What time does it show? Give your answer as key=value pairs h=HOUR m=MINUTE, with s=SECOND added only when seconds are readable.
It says h=1 m=43
